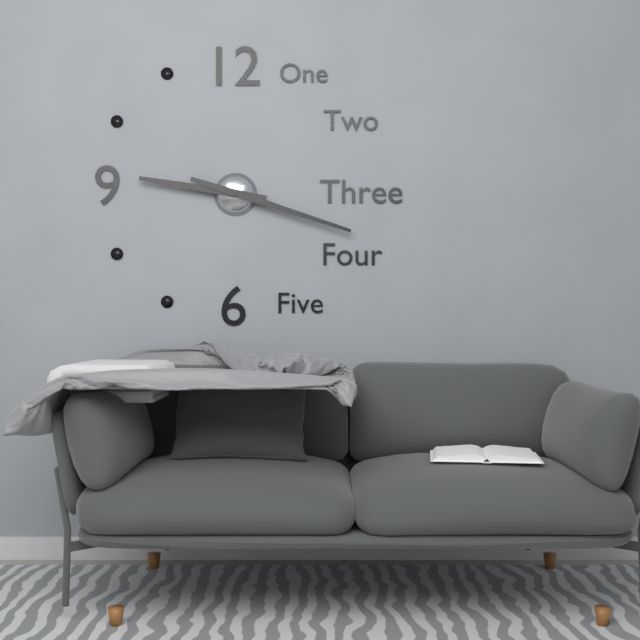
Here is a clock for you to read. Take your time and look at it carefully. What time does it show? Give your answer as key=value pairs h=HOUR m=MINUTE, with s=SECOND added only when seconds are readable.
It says h=9 m=18
